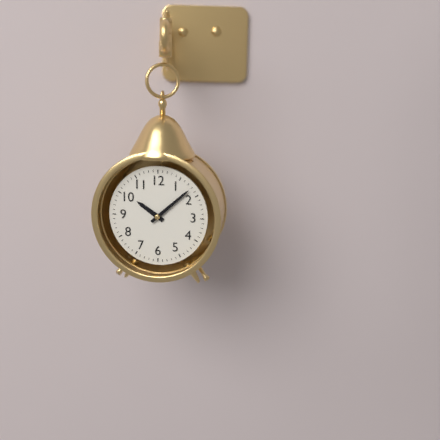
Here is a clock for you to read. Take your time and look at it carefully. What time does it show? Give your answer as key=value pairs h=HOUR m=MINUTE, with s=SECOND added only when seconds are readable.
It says h=10 m=8
